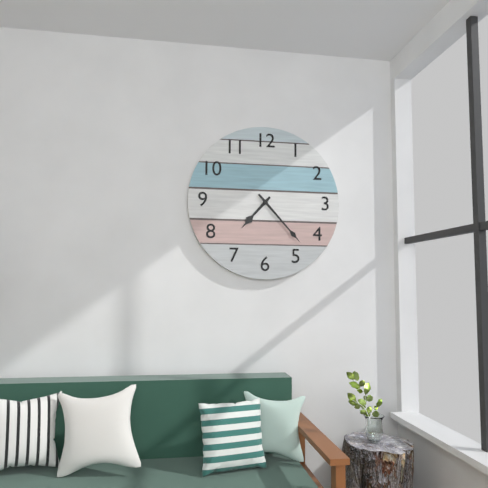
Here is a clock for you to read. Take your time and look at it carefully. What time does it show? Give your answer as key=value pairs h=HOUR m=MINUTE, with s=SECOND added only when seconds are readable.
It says h=7 m=23
